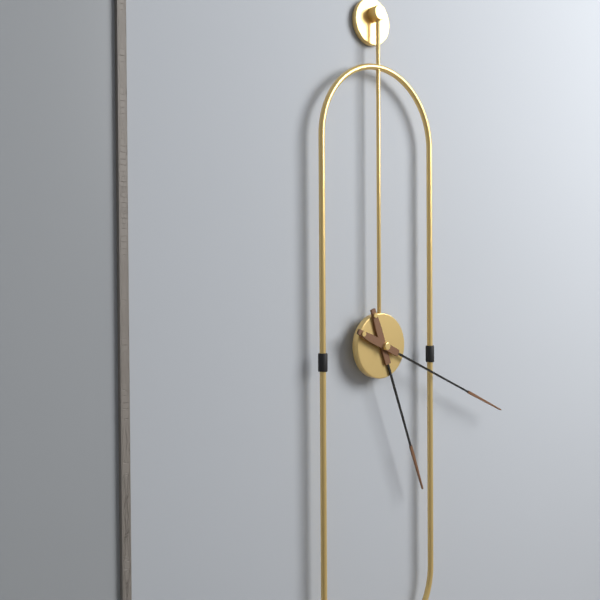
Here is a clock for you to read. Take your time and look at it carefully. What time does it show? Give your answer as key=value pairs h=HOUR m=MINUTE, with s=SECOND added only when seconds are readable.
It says h=5 m=19
